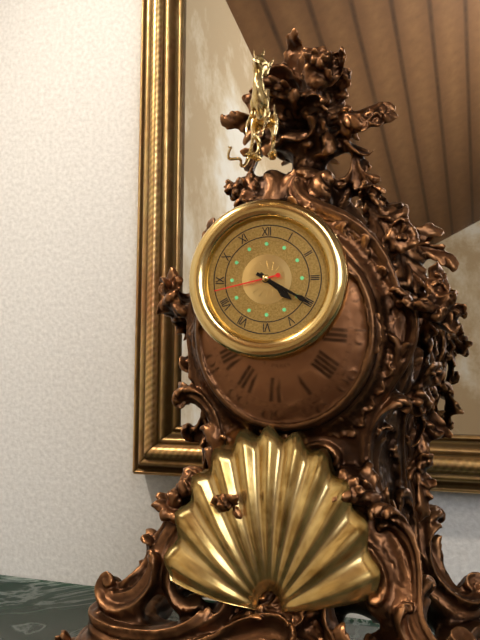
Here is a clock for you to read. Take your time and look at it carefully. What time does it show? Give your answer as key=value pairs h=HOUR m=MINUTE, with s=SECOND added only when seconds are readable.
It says h=4 m=20 s=43
